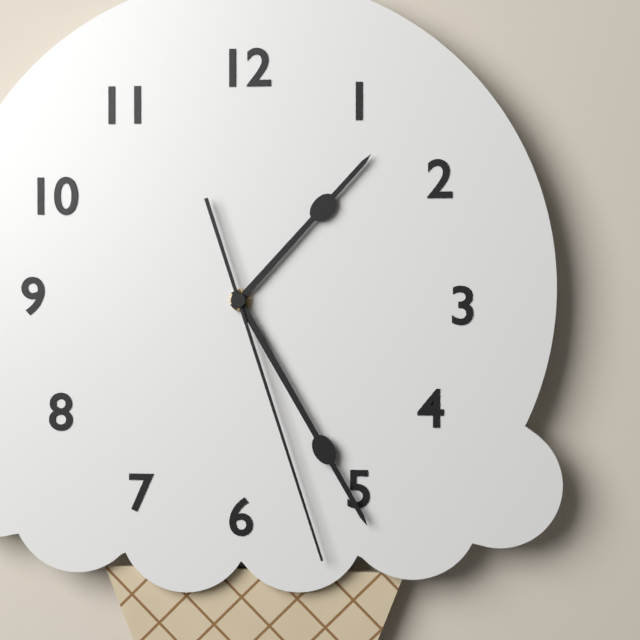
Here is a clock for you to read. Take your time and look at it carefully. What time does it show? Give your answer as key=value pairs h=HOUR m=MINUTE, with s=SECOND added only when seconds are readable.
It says h=1 m=25 s=27
